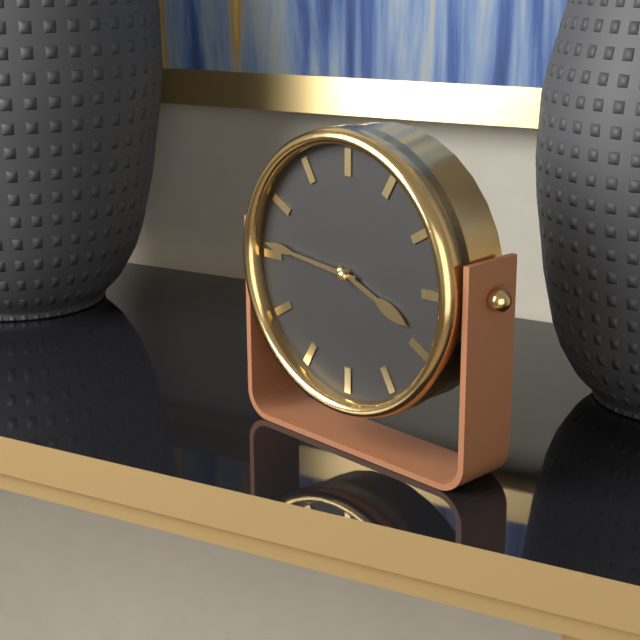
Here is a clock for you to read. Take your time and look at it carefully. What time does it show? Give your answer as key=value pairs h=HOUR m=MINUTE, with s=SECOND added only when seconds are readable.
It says h=3 m=46
